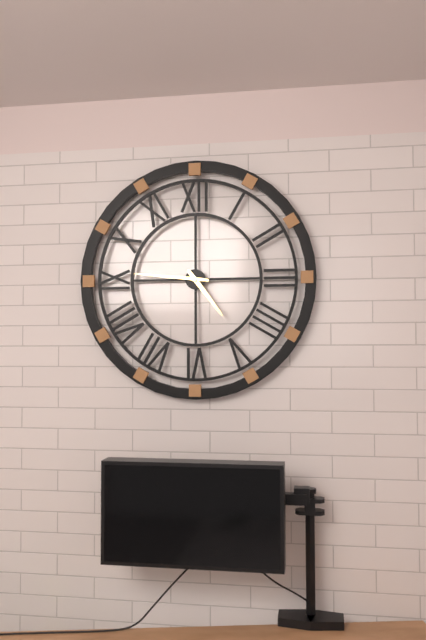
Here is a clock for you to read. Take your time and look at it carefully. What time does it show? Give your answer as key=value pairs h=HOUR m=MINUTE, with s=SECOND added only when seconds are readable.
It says h=4 m=46
